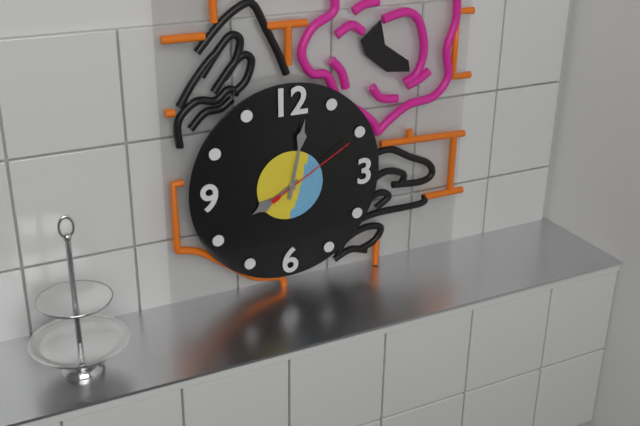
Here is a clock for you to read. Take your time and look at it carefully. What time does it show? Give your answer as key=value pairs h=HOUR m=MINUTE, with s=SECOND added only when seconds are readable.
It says h=8 m=2 s=10
